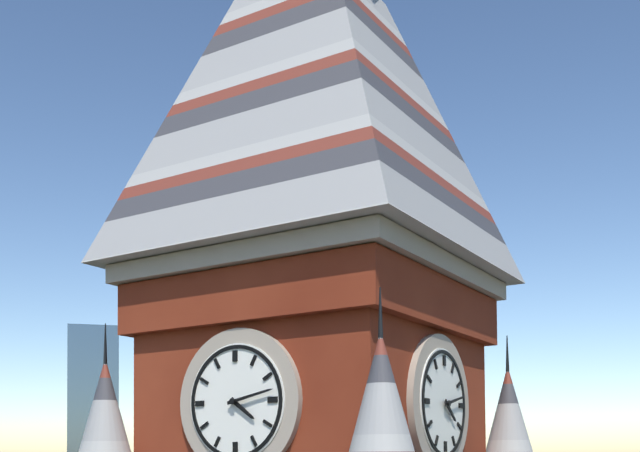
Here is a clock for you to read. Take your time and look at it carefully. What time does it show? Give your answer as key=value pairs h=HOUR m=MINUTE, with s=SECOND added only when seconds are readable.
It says h=4 m=13
